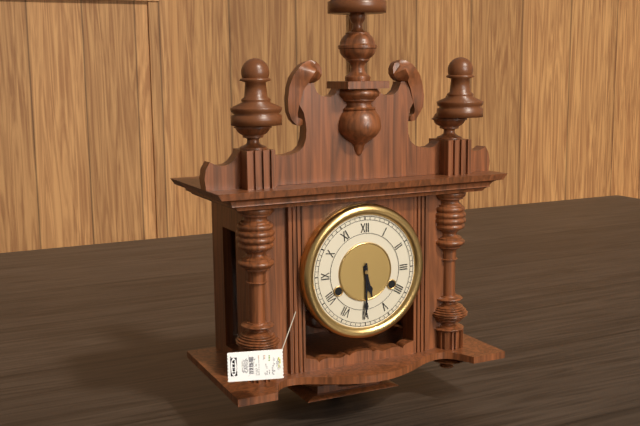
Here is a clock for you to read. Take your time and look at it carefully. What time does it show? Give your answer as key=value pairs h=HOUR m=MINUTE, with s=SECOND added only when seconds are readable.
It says h=5 m=30
